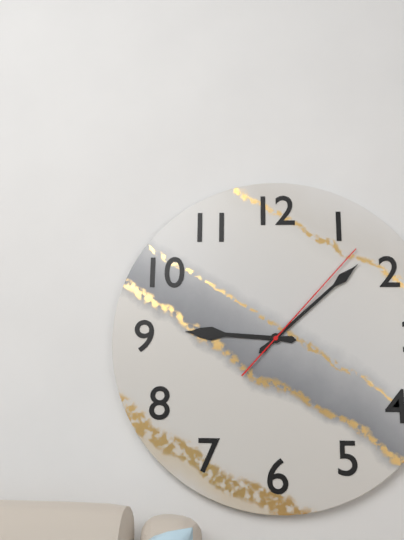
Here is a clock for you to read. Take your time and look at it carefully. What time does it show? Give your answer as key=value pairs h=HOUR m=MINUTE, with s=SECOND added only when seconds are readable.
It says h=9 m=8 s=7
